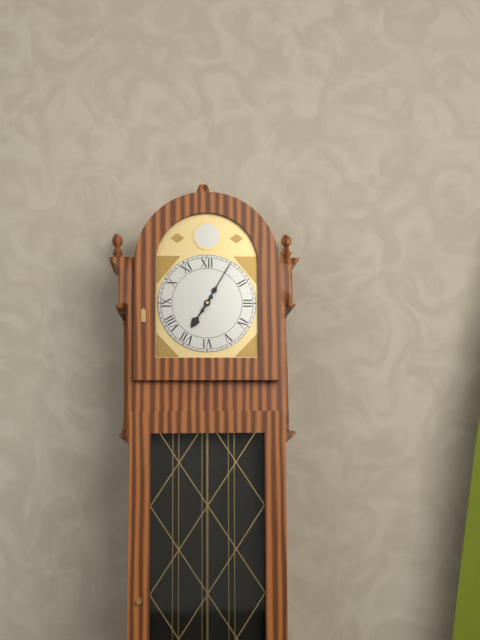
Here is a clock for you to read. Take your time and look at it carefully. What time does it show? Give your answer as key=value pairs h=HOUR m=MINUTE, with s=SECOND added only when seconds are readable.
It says h=7 m=5
